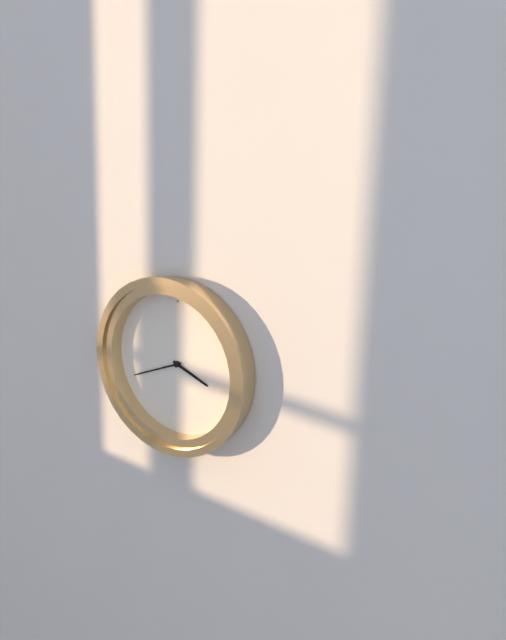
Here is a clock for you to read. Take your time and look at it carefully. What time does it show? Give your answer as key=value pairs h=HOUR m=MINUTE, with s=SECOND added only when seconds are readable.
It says h=3 m=41
